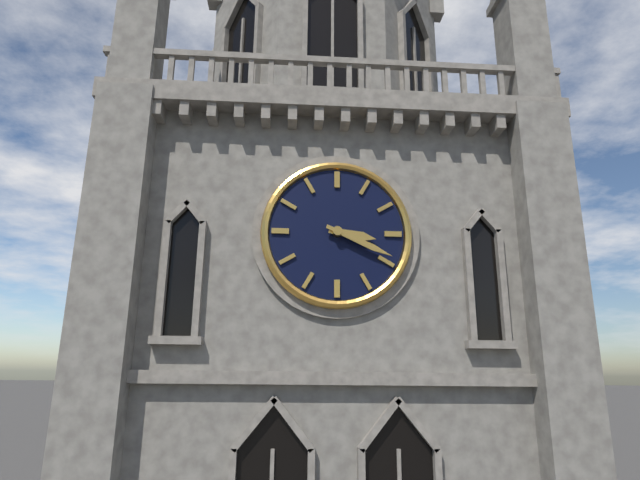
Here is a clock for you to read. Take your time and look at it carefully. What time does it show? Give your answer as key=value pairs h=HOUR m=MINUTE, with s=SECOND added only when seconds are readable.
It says h=3 m=19
